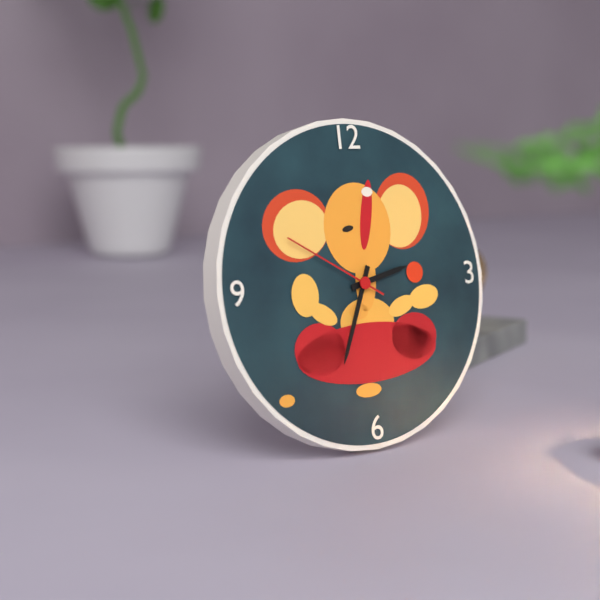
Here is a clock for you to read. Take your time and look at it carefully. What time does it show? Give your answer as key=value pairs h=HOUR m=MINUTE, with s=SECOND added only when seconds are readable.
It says h=2 m=34 s=50
